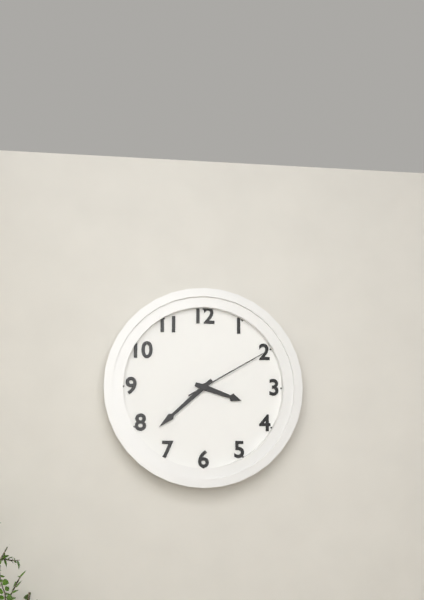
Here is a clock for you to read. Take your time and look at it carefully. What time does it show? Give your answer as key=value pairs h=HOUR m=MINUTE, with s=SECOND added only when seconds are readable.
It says h=3 m=38 s=10
